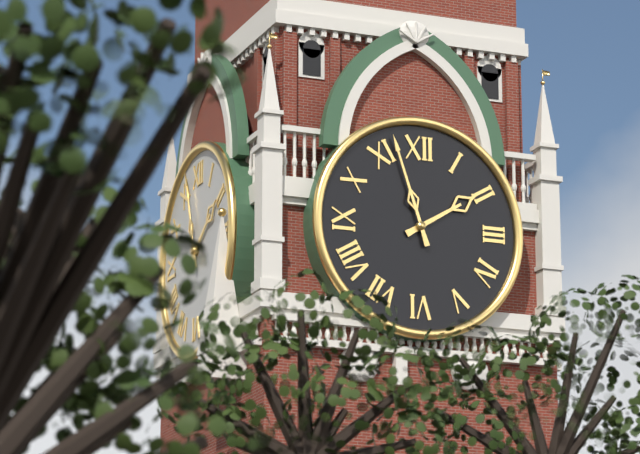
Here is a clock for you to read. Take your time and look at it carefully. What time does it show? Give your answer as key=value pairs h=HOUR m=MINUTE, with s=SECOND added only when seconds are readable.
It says h=1 m=57
